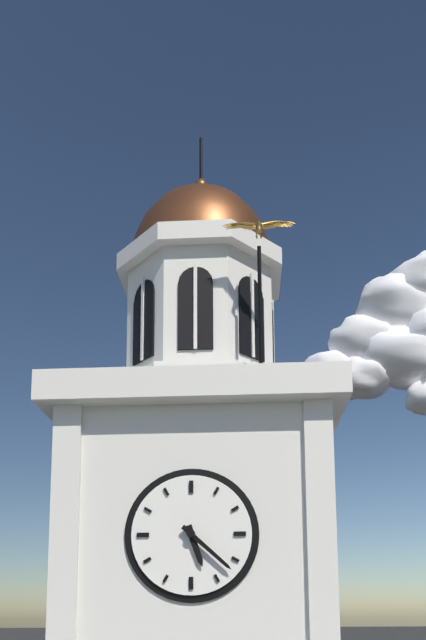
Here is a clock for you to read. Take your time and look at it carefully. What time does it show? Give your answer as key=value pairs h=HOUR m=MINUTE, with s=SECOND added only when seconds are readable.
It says h=5 m=22
